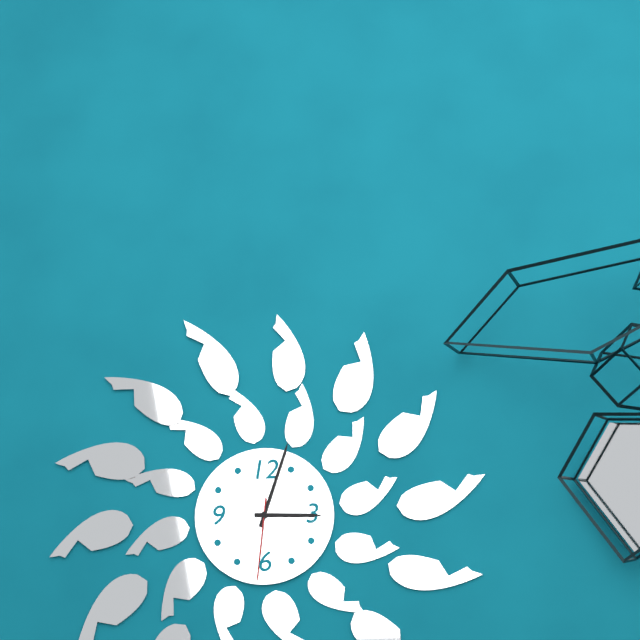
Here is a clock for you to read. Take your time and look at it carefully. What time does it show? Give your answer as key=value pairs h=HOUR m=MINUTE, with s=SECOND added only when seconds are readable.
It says h=3 m=3 s=31
